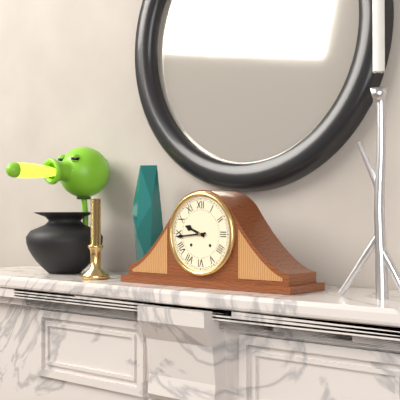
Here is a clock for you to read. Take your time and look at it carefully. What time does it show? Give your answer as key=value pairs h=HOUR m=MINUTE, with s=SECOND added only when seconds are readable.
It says h=9 m=44
